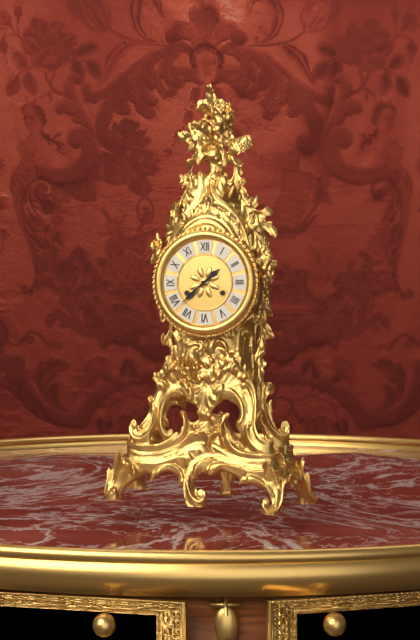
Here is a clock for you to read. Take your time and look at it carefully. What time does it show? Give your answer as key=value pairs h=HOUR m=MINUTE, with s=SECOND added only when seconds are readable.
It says h=1 m=38
